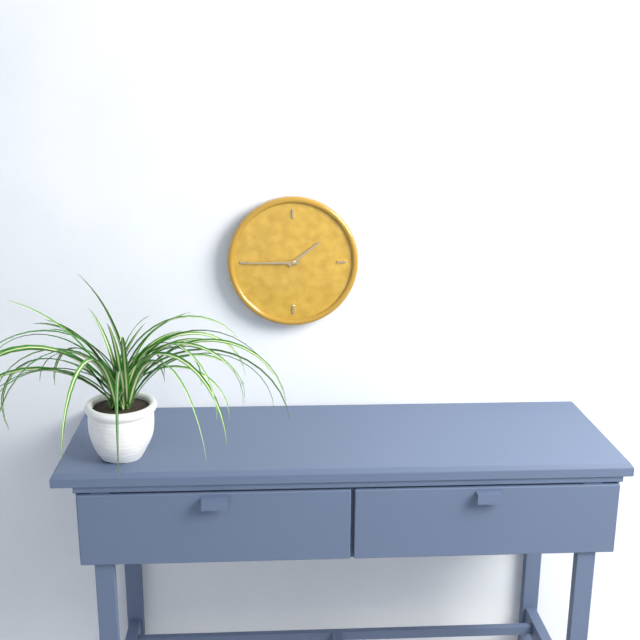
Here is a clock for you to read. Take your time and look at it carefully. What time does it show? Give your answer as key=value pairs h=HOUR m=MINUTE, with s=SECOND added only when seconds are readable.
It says h=1 m=45
